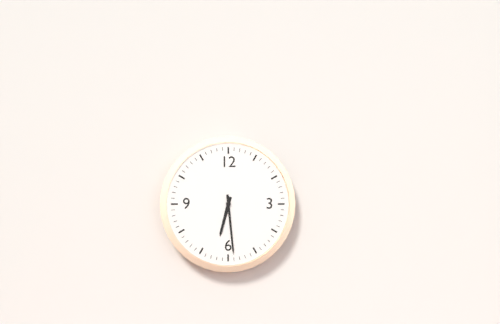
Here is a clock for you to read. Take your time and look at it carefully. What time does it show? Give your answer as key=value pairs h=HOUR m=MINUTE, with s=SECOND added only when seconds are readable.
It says h=6 m=29
